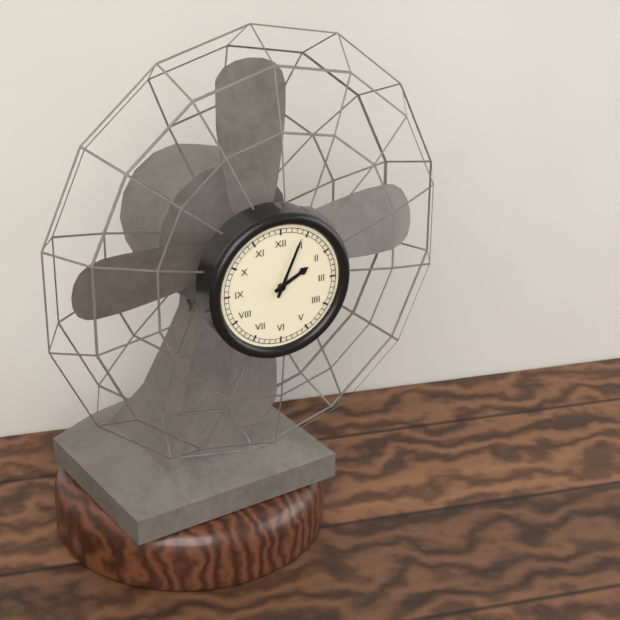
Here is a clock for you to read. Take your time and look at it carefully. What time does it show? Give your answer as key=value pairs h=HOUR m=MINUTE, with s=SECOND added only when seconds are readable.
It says h=2 m=4
